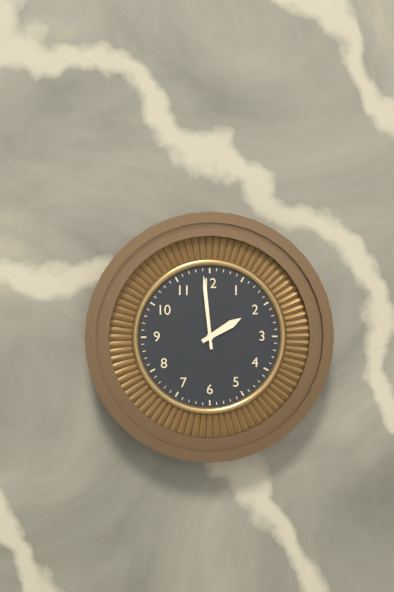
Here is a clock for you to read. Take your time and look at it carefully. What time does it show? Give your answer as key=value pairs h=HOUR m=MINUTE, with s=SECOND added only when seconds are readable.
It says h=1 m=59
